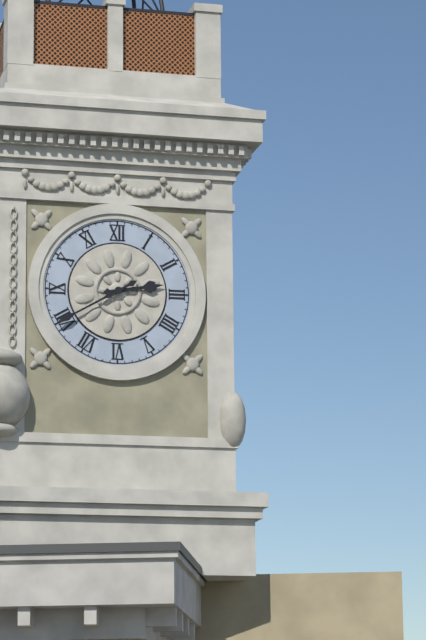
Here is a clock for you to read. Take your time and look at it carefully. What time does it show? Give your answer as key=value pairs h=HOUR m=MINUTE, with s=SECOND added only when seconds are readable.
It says h=2 m=40
